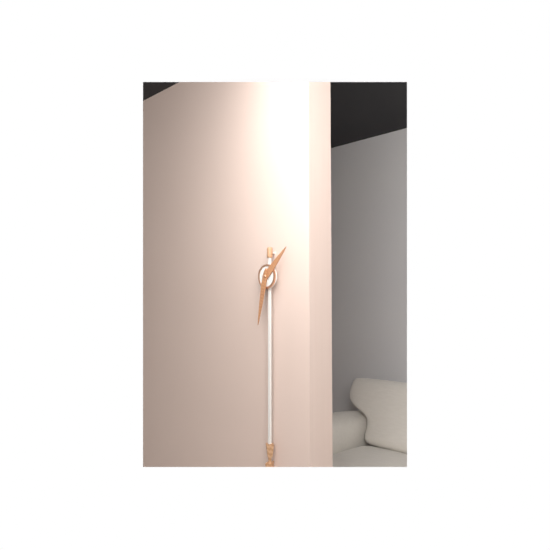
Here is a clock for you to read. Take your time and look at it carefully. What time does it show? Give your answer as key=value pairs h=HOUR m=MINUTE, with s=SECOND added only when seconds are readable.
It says h=1 m=32
